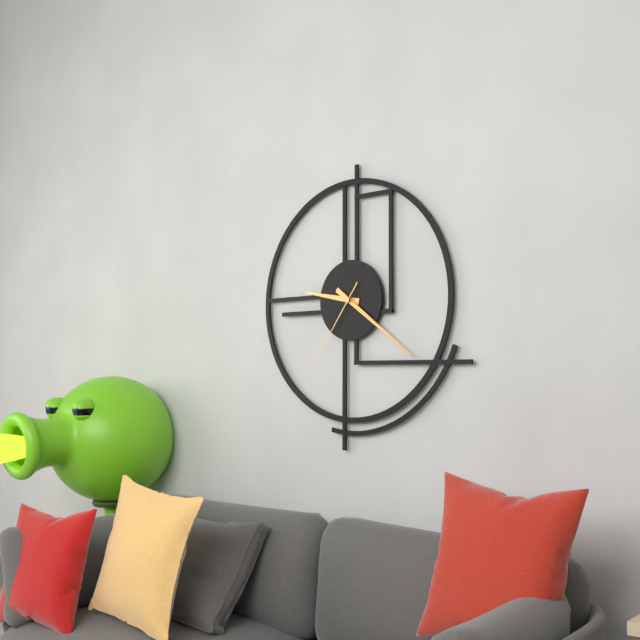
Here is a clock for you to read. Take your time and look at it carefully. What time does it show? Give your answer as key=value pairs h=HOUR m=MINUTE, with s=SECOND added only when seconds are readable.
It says h=9 m=21 s=36
